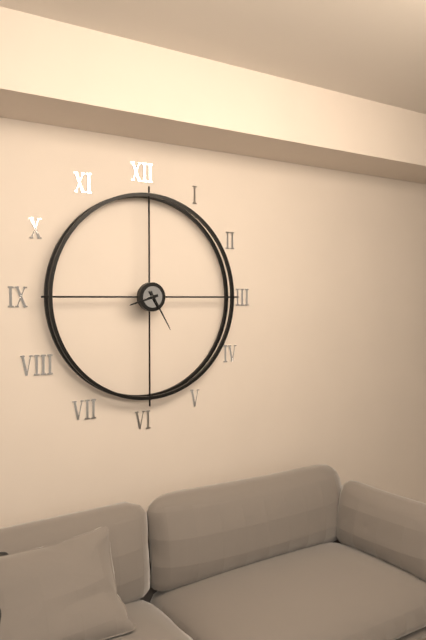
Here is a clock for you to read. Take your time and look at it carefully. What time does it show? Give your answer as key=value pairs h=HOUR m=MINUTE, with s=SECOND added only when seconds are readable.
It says h=8 m=25
